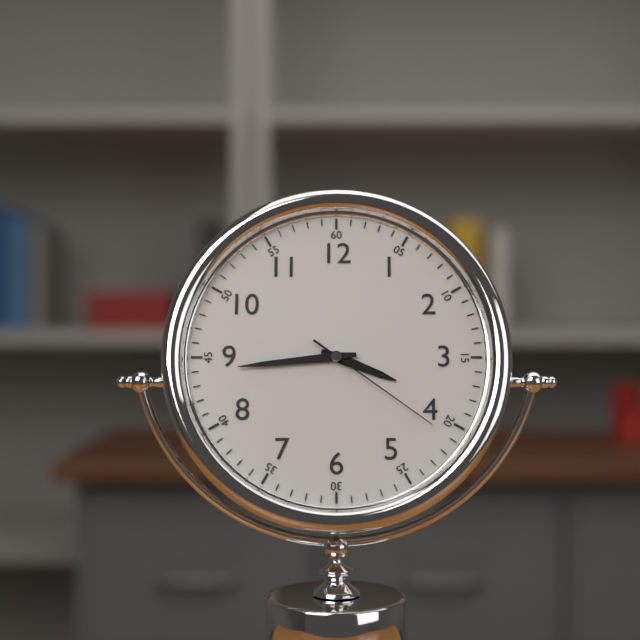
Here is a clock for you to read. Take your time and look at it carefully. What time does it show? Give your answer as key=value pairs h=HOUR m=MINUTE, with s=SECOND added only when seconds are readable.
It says h=3 m=44 s=21
